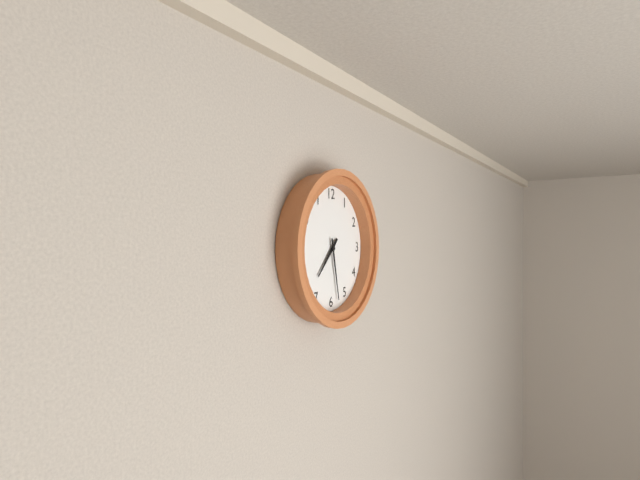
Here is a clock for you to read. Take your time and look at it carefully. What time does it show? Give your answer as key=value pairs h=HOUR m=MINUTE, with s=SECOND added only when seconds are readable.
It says h=7 m=28
